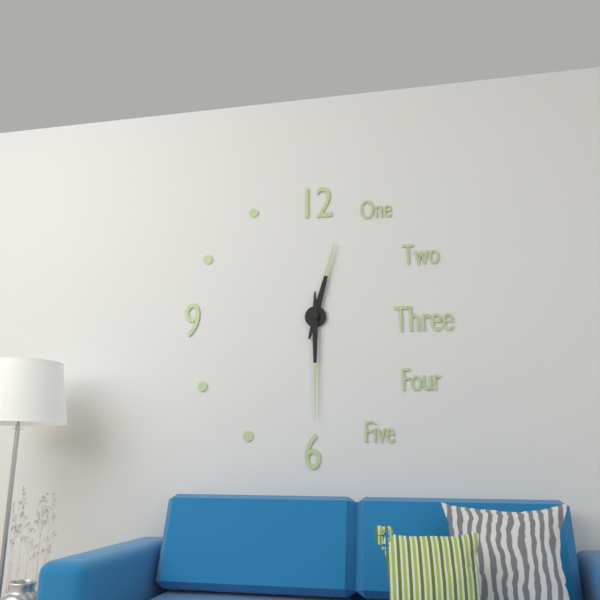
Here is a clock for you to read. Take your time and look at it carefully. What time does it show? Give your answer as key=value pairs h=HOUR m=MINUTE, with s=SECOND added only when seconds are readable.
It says h=12 m=30
